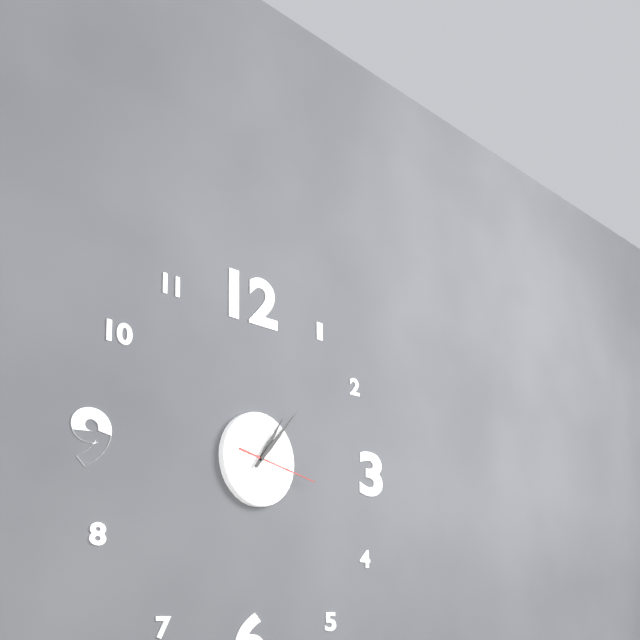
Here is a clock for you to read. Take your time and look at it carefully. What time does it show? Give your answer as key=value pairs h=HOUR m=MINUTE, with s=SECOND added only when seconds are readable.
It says h=1 m=7 s=17
